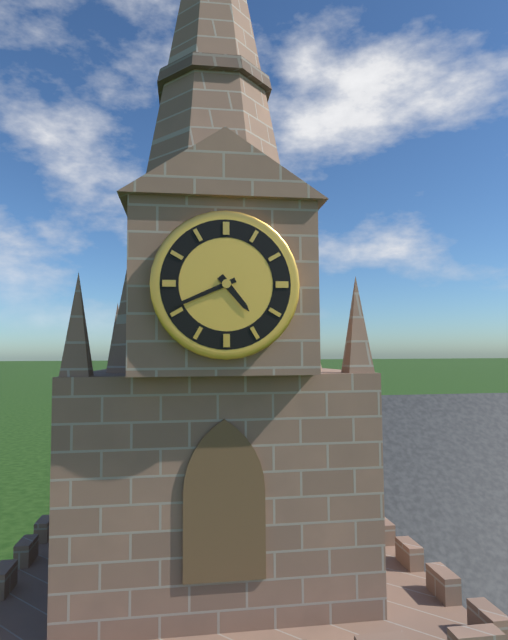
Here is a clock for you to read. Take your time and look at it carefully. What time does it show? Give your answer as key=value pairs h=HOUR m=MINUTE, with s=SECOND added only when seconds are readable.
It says h=4 m=41
